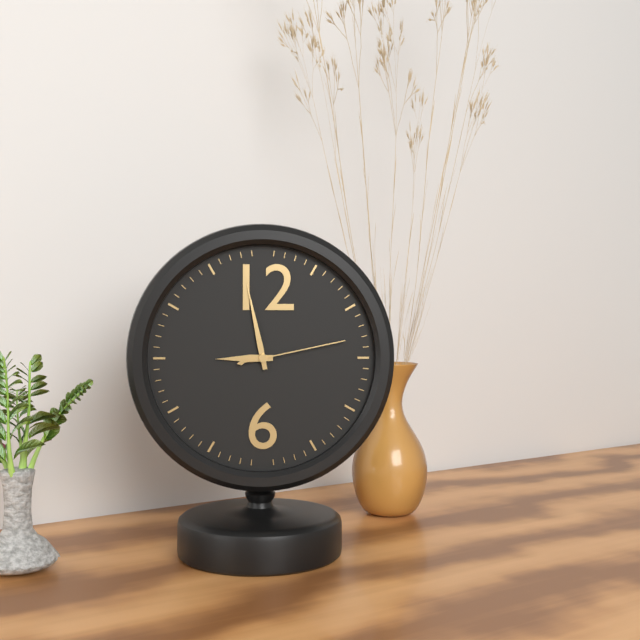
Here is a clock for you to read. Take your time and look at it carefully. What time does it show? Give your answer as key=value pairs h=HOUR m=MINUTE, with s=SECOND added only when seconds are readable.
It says h=8 m=58 s=13
